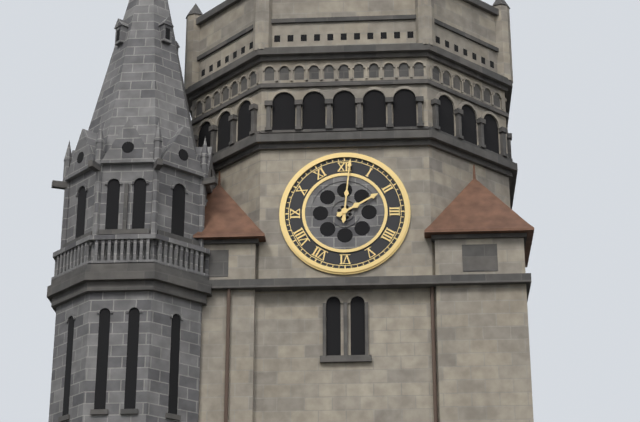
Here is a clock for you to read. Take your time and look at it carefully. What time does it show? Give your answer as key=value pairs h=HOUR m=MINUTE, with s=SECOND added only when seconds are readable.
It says h=2 m=1
